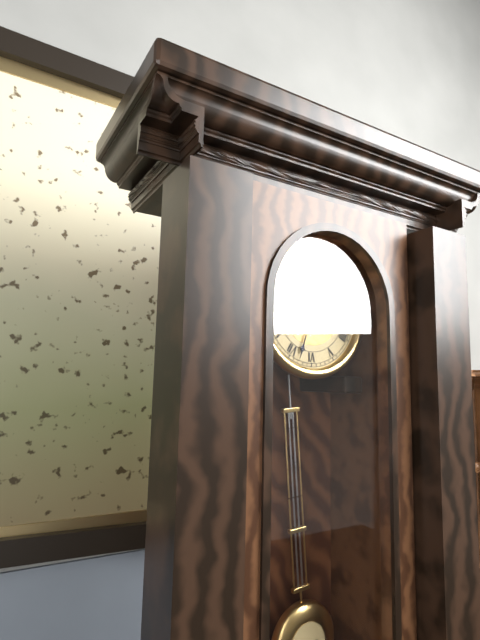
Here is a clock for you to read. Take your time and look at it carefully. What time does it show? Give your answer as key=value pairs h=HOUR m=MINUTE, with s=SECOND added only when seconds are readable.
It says h=2 m=33
